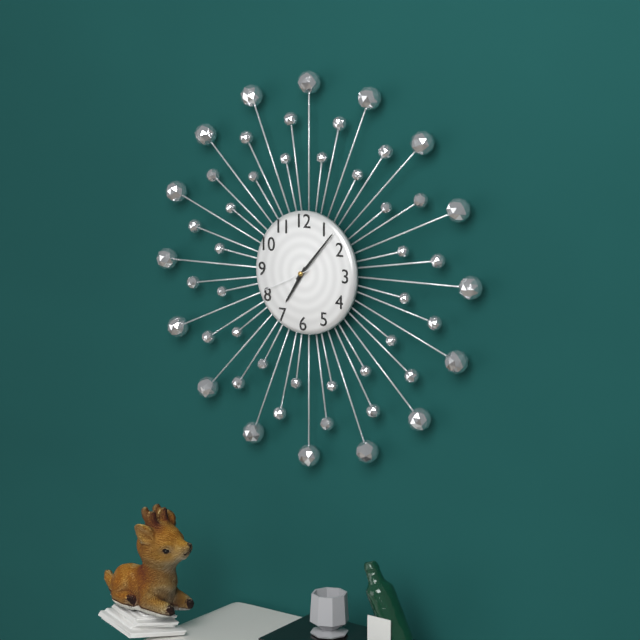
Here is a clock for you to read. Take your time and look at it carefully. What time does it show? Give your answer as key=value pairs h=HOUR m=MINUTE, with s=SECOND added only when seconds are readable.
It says h=7 m=7 s=41
